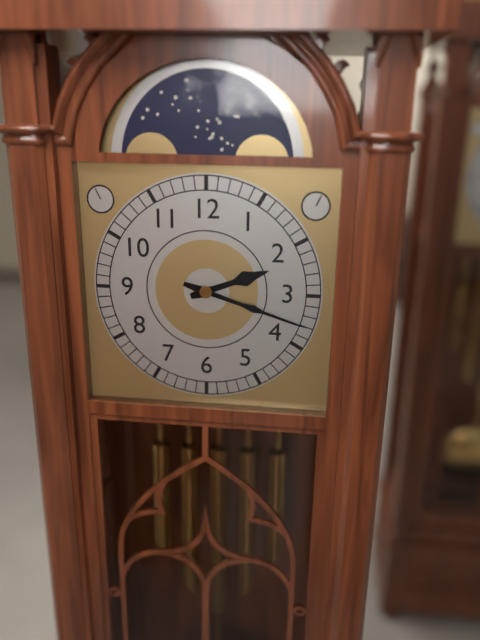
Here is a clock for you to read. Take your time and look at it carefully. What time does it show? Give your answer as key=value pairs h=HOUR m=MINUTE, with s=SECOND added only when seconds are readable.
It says h=2 m=18
